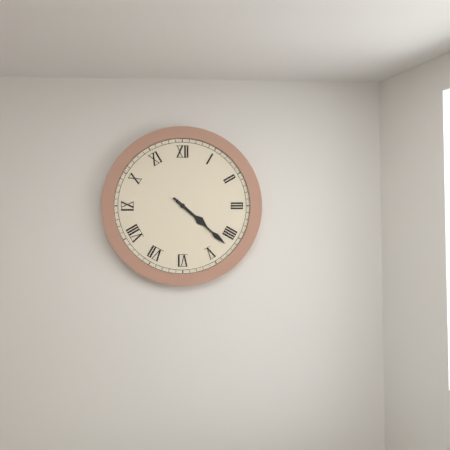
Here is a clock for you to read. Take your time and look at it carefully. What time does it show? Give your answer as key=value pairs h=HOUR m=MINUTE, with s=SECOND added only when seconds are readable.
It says h=4 m=22
